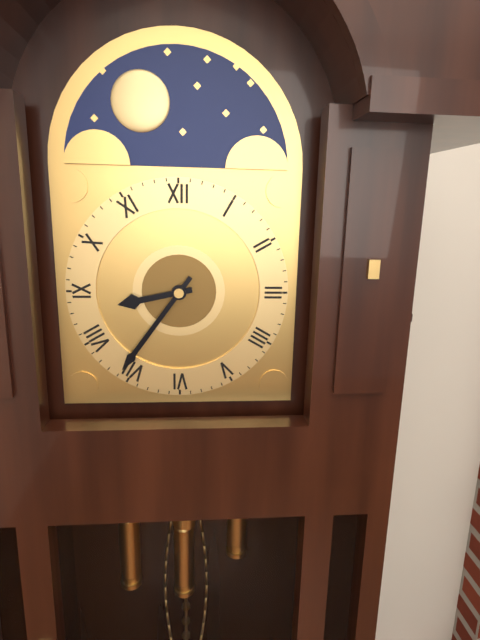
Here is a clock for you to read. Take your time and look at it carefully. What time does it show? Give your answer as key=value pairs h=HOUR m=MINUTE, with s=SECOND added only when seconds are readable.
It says h=8 m=36
